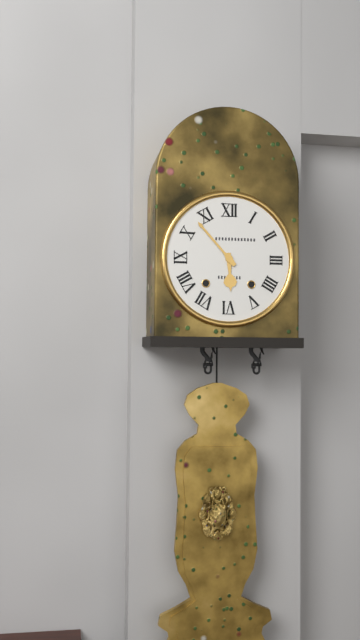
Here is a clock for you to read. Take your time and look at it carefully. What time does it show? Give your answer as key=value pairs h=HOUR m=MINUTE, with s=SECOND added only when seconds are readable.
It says h=5 m=53
